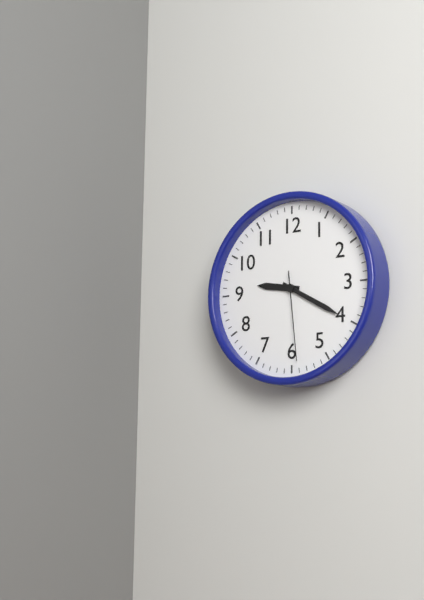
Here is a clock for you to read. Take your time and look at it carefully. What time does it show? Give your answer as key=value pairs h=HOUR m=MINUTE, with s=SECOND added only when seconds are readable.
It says h=9 m=20 s=29
